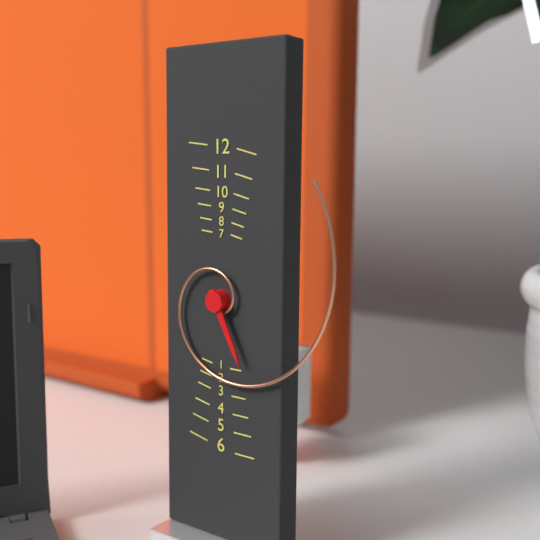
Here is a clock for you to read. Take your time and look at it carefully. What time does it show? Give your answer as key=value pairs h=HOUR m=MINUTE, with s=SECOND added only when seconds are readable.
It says h=5 m=7
